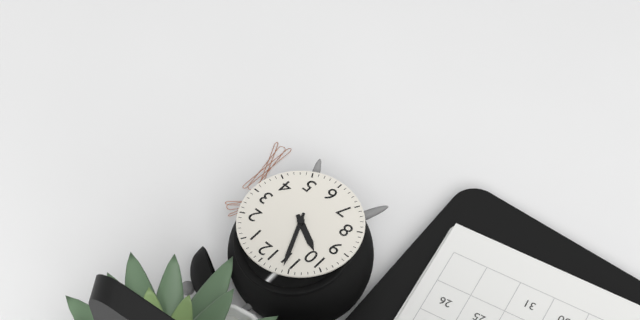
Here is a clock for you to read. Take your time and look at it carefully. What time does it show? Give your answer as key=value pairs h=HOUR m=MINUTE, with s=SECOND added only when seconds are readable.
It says h=9 m=56
